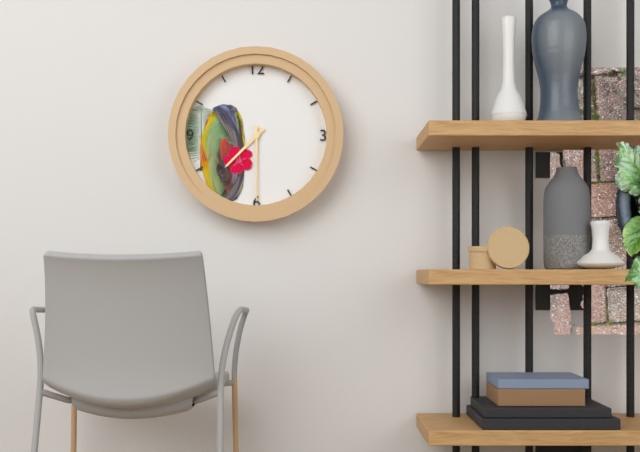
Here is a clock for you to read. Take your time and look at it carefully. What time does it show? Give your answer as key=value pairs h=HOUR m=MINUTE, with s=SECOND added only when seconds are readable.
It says h=7 m=30
